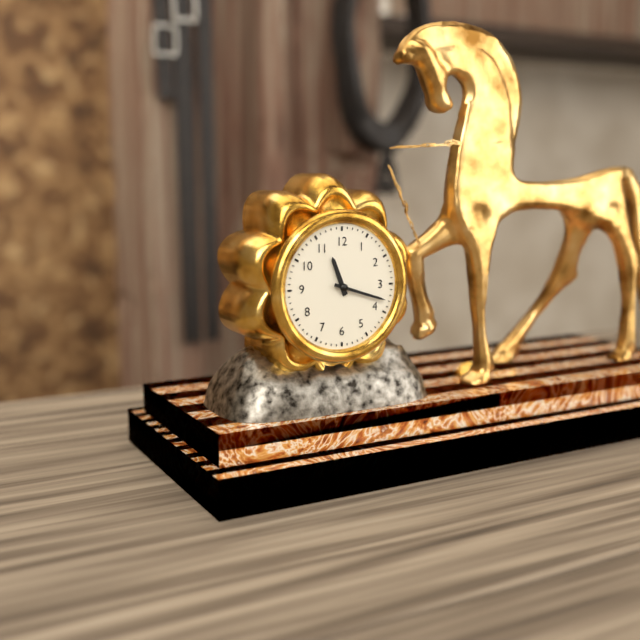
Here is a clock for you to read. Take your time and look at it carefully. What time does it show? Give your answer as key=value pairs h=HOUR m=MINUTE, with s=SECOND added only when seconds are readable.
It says h=11 m=18
